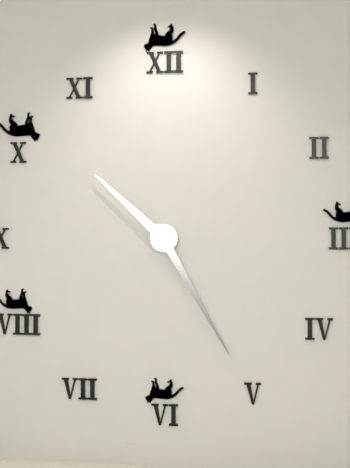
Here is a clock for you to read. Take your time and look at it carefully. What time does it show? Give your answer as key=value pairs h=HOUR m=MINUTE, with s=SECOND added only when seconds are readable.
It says h=10 m=25
